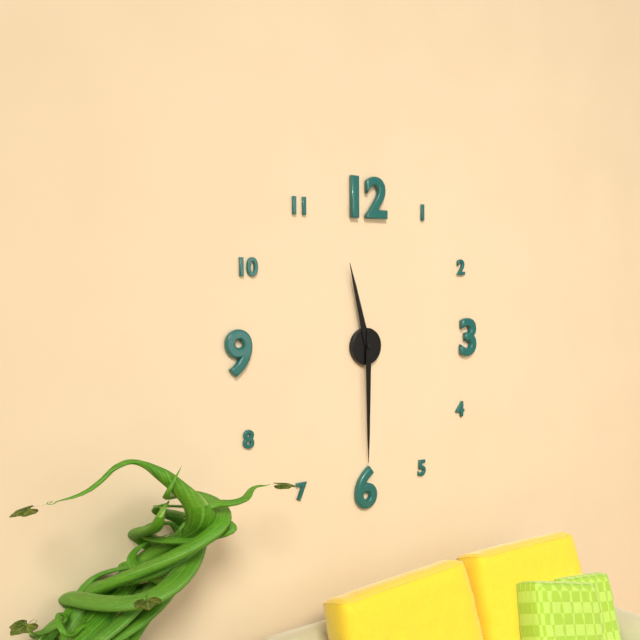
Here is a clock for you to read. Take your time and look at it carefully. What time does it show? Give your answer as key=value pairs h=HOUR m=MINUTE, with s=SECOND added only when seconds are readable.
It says h=11 m=30
